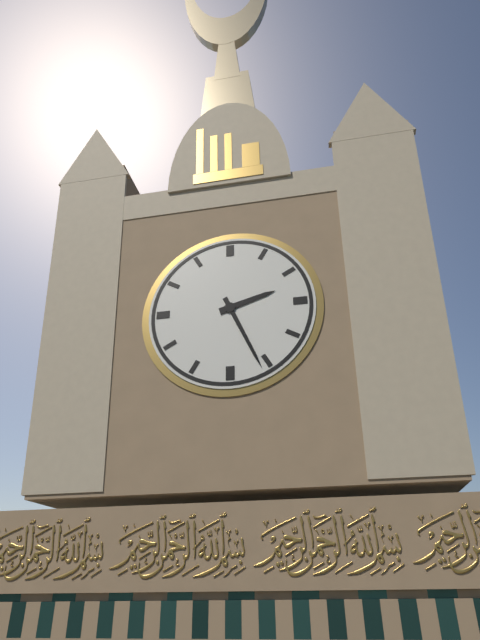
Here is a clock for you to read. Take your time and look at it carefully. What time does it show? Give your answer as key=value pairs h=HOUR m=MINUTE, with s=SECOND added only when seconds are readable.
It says h=2 m=26
